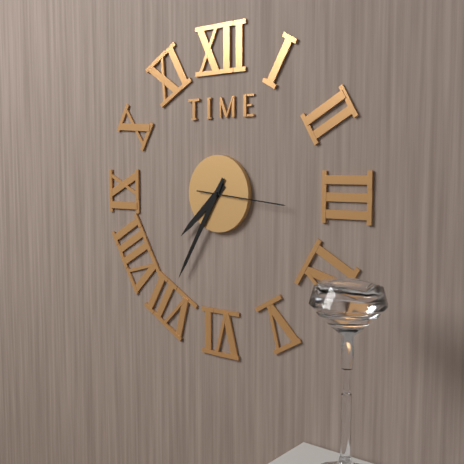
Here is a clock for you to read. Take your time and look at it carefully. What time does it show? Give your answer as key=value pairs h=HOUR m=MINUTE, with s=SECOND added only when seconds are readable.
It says h=7 m=35 s=16
